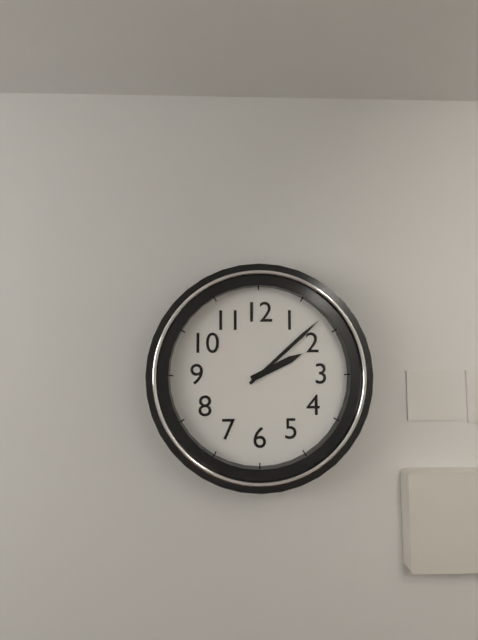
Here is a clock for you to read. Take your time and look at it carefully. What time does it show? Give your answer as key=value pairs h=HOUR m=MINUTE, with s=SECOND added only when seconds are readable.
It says h=2 m=8
